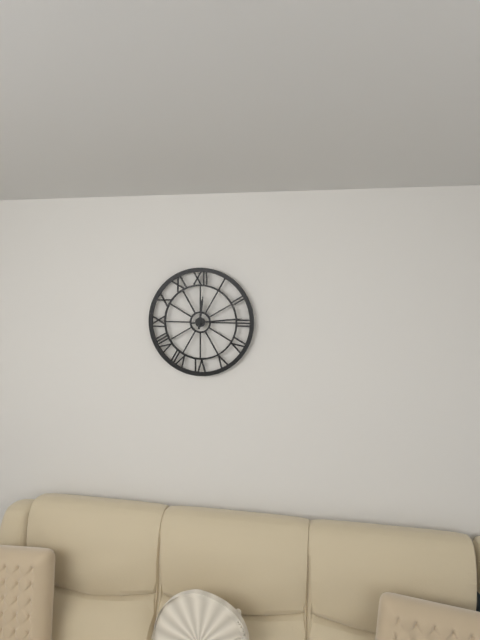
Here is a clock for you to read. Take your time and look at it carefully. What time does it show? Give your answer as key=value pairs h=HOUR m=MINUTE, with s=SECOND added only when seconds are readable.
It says h=12 m=14
